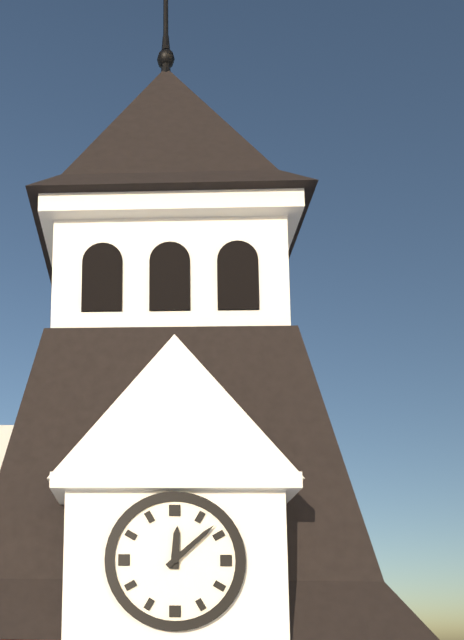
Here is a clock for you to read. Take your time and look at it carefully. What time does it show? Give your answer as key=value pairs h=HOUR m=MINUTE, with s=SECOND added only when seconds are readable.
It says h=12 m=8
